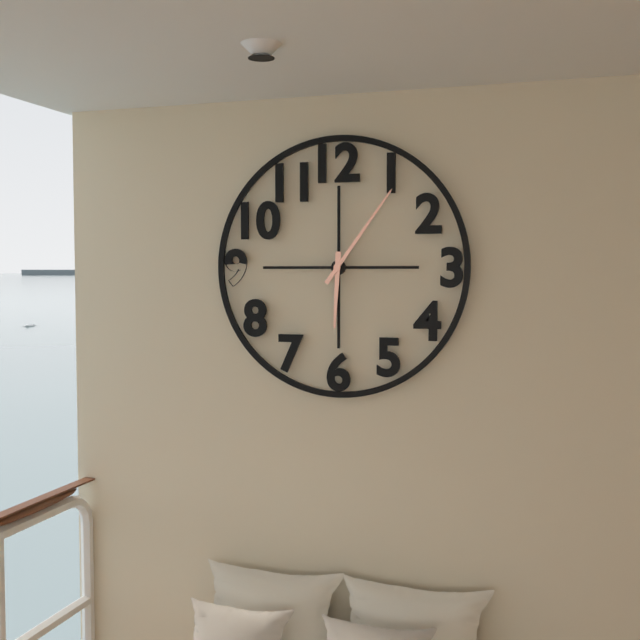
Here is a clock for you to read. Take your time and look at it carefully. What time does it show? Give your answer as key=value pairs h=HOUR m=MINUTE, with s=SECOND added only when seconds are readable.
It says h=6 m=6
